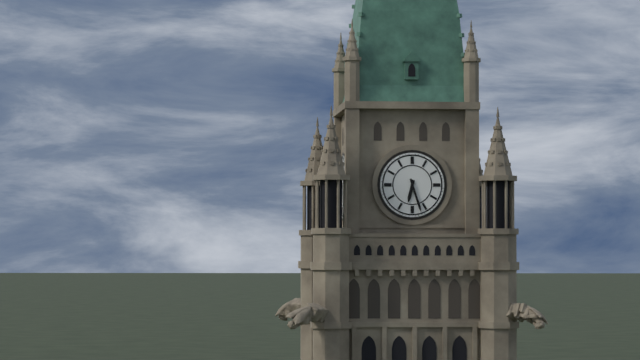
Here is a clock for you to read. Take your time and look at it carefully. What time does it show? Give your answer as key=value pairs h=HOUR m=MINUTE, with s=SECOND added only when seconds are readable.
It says h=6 m=27
